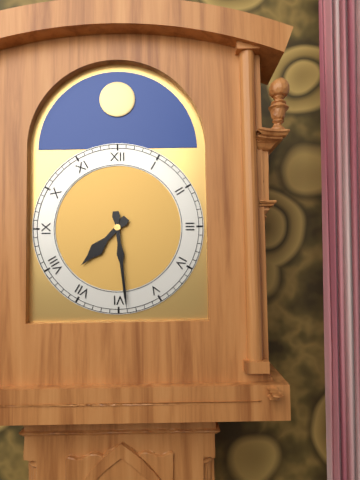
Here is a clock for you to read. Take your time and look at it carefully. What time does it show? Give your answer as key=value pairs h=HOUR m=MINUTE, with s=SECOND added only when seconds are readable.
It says h=7 m=29
